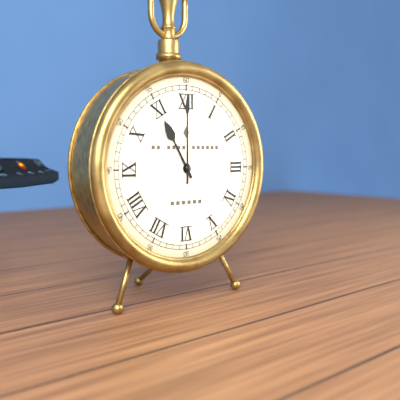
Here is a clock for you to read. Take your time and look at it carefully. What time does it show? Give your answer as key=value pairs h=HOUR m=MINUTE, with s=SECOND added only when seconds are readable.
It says h=11 m=0
